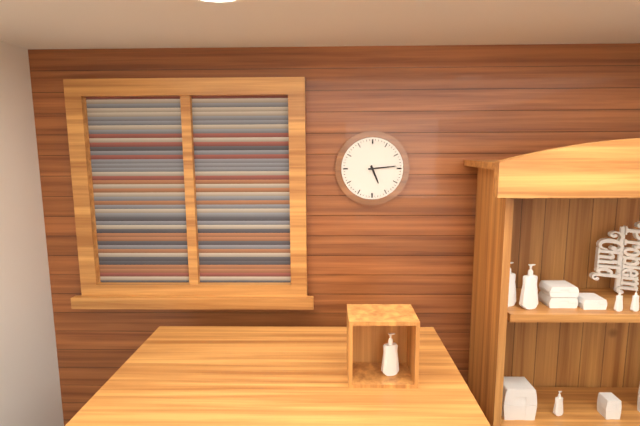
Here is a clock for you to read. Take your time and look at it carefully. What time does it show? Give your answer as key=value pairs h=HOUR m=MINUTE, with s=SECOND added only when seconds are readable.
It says h=5 m=14
